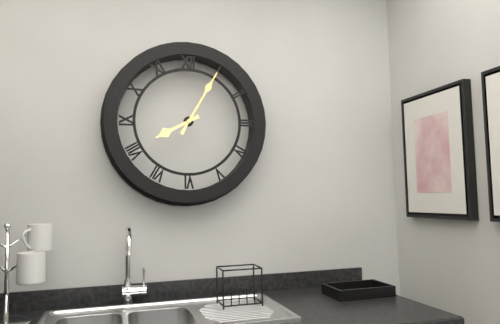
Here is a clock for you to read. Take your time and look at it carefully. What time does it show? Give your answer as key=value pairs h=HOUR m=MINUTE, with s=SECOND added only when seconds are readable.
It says h=8 m=5
